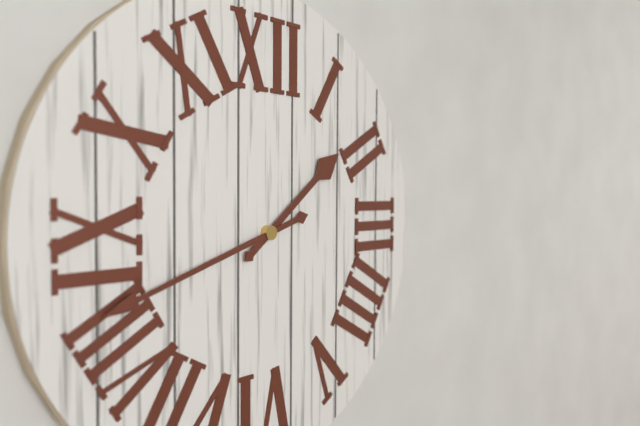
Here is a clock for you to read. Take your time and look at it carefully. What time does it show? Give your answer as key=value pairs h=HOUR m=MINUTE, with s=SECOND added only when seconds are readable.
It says h=1 m=42
